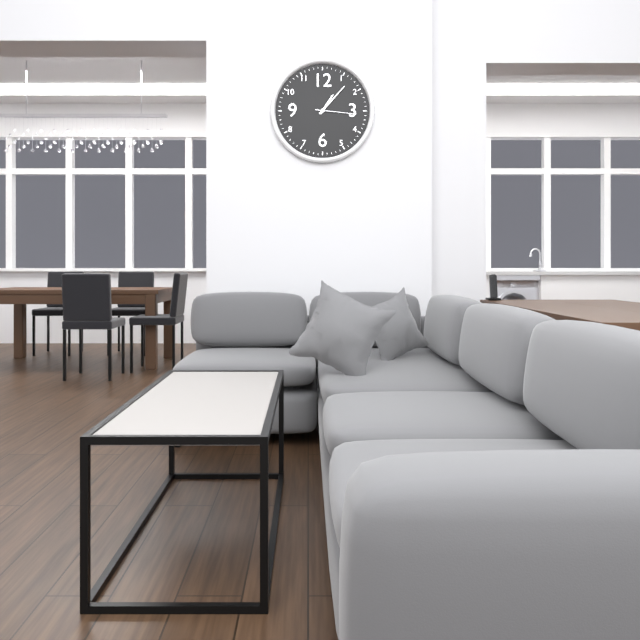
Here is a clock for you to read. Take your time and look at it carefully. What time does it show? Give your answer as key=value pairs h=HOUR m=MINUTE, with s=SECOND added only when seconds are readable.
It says h=1 m=7
